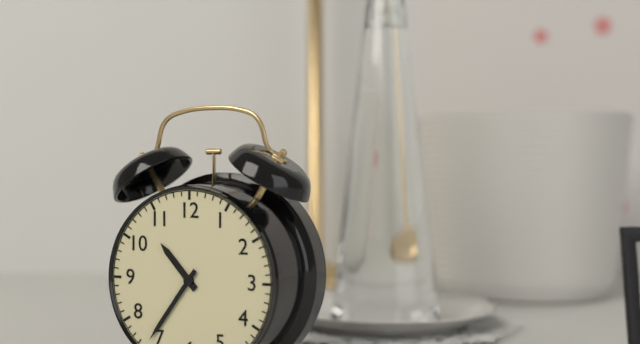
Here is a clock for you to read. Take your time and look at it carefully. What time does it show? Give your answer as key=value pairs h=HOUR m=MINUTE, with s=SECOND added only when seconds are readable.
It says h=10 m=36
